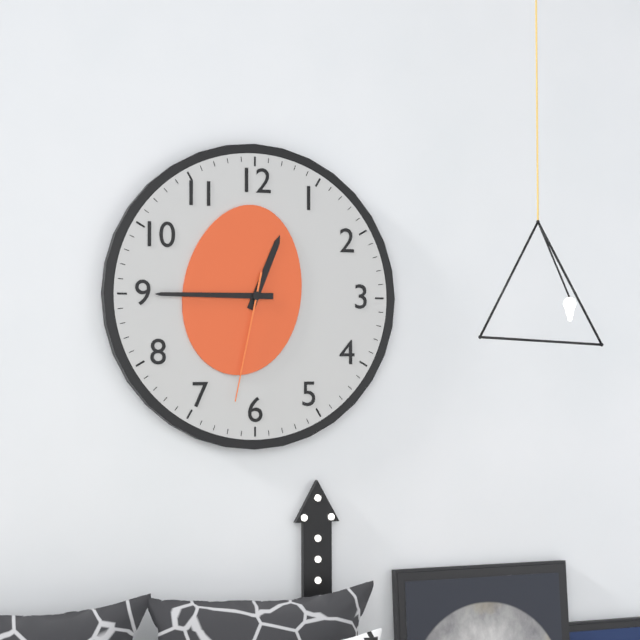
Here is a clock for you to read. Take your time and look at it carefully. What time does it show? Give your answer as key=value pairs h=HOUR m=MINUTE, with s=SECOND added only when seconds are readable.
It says h=12 m=45 s=32
